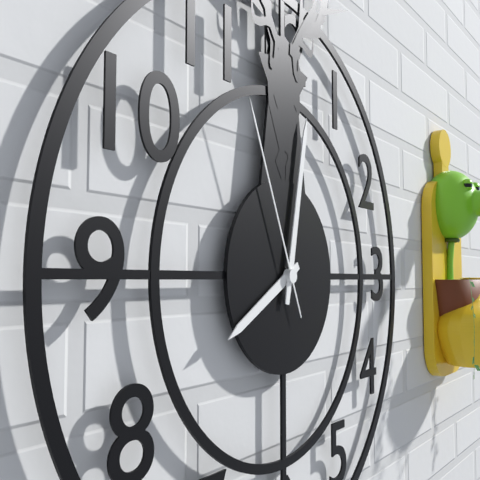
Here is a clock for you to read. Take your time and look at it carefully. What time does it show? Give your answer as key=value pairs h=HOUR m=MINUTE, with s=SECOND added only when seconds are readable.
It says h=8 m=2 s=56
